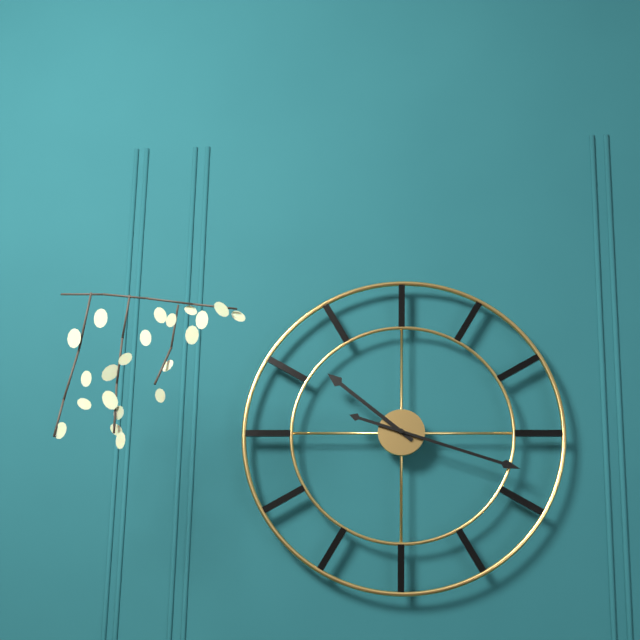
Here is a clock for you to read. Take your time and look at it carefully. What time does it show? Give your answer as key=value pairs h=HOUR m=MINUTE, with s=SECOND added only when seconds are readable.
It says h=10 m=18
